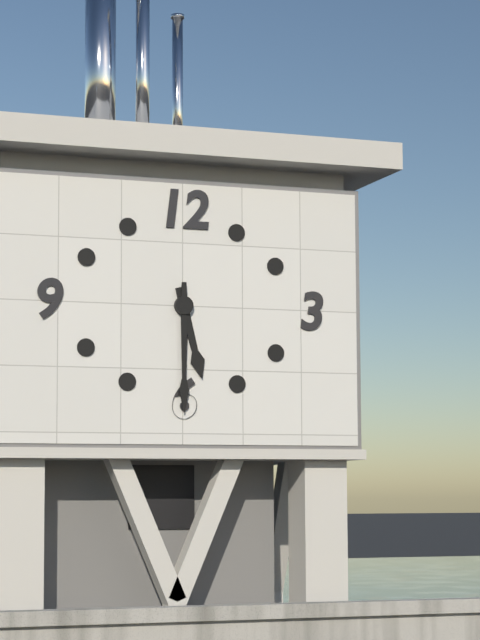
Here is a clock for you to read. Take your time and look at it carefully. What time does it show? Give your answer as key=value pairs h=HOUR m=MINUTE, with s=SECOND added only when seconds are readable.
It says h=5 m=30
